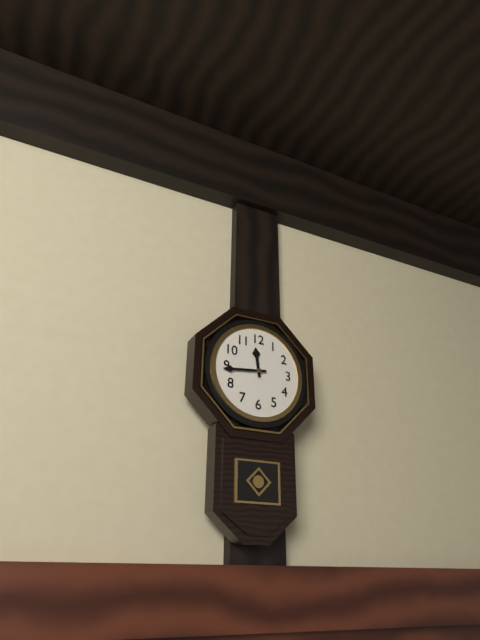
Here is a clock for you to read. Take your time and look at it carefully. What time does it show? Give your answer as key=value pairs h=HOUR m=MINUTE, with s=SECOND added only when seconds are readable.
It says h=11 m=44
